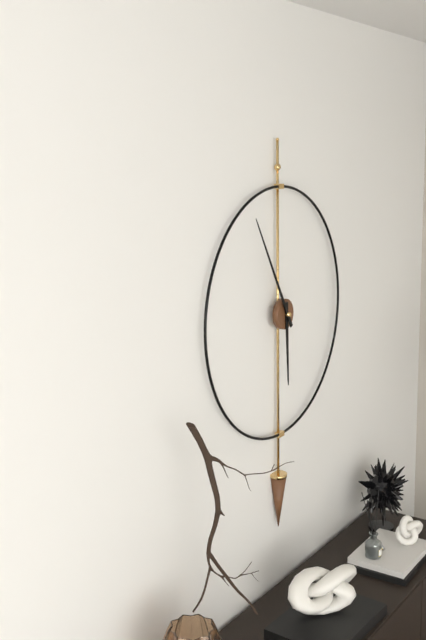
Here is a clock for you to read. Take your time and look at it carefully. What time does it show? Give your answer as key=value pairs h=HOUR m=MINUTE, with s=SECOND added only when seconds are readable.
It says h=5 m=55
